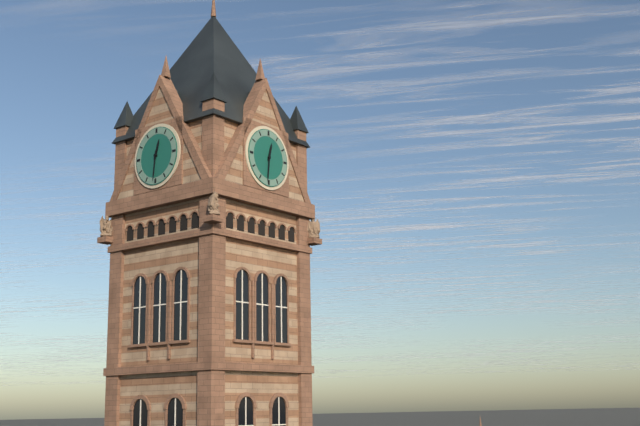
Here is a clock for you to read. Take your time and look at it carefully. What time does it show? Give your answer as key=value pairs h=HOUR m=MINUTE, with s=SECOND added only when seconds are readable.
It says h=12 m=31
